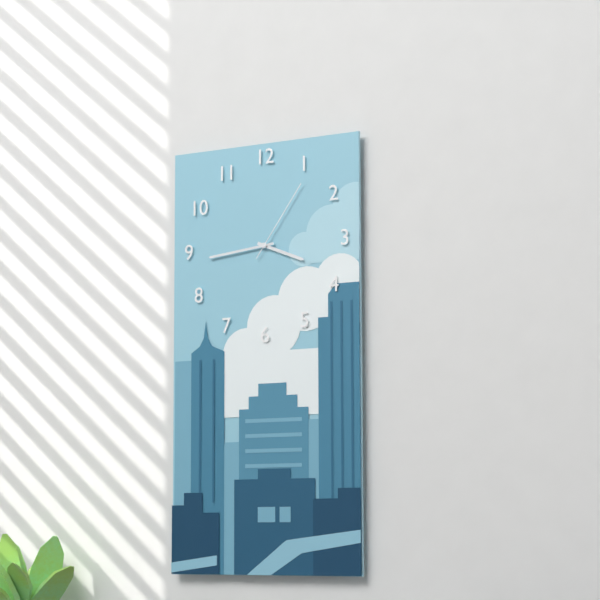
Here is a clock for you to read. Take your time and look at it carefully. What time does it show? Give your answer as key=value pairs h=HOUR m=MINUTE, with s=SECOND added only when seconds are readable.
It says h=3 m=44 s=6
